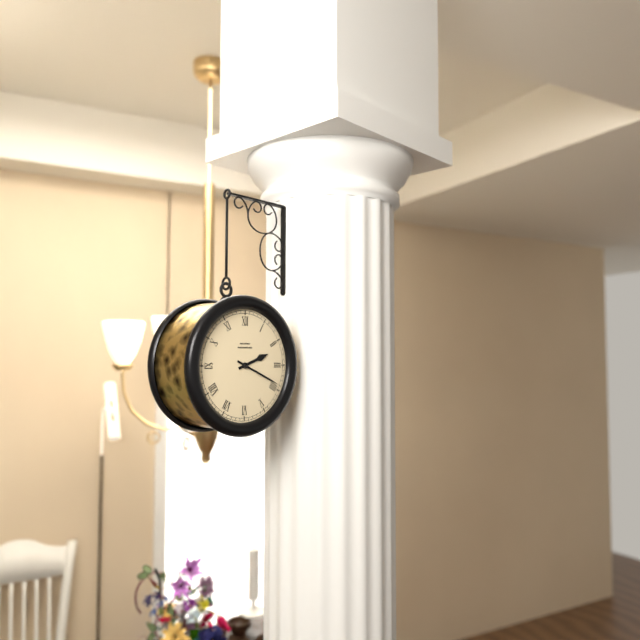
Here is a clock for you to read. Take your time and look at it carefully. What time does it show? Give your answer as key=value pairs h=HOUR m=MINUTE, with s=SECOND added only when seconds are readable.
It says h=2 m=19
